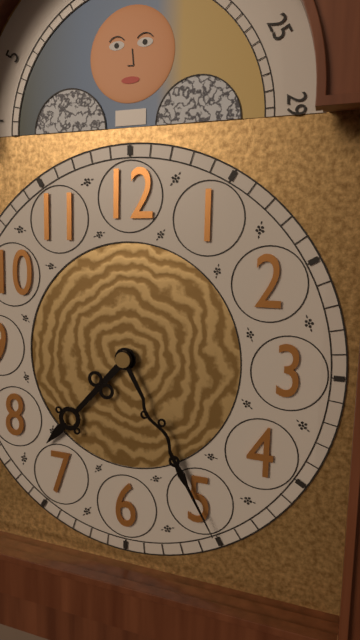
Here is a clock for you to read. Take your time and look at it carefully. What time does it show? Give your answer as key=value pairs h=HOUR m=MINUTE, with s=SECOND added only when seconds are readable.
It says h=7 m=25
